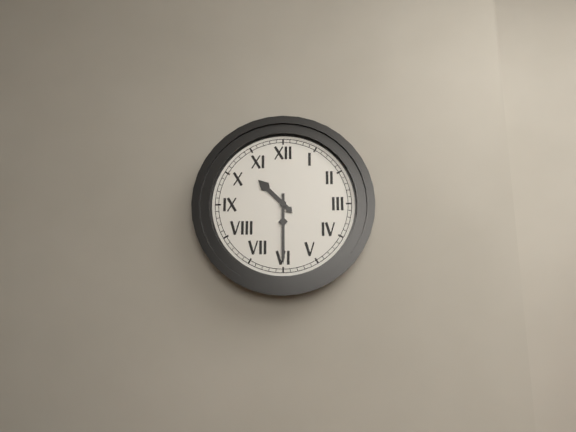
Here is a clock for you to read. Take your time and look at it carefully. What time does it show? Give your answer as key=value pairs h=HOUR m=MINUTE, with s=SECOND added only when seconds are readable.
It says h=10 m=30
